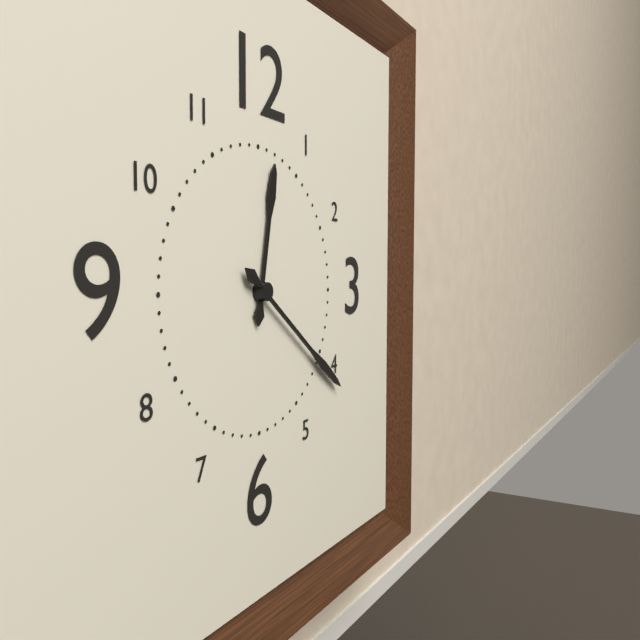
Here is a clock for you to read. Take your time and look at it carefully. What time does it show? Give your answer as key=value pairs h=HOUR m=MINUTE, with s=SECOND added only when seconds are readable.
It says h=12 m=21
